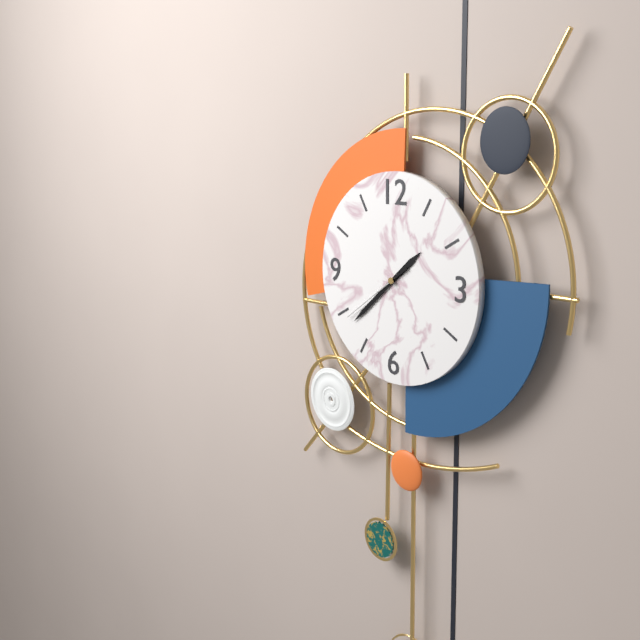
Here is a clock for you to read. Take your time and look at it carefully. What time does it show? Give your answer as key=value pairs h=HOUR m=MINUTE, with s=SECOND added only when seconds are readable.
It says h=1 m=38 s=39
